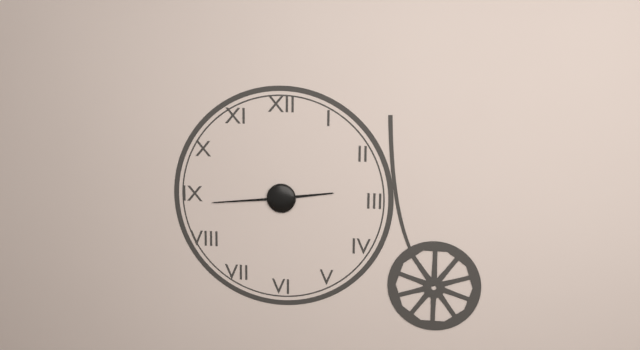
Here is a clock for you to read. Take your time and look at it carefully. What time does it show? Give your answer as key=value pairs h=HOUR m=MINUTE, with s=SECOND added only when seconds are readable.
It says h=2 m=44
